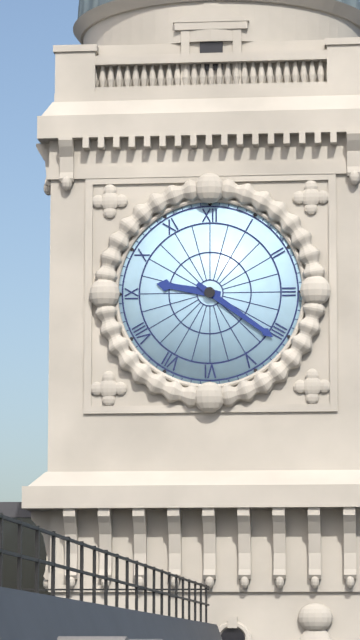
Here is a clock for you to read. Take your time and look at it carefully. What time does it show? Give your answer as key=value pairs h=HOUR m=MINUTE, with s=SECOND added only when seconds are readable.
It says h=9 m=21
